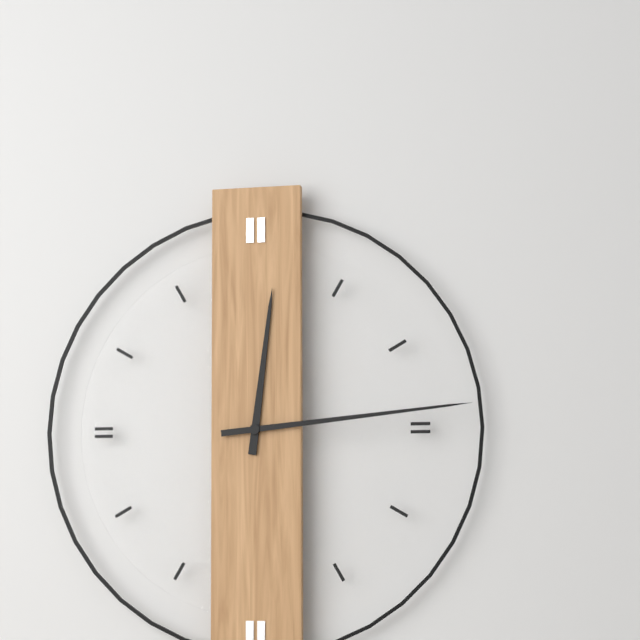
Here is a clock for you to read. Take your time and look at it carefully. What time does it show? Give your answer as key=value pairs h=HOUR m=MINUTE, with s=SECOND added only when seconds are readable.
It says h=12 m=14
